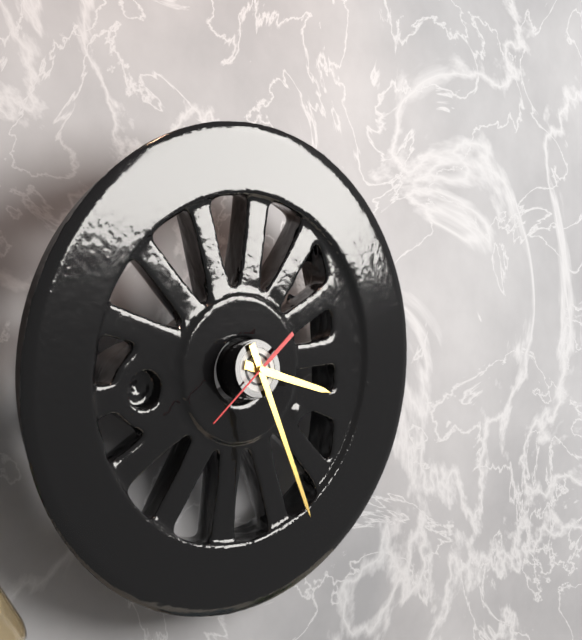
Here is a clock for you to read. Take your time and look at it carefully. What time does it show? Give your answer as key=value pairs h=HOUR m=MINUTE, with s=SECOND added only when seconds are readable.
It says h=3 m=26 s=38
